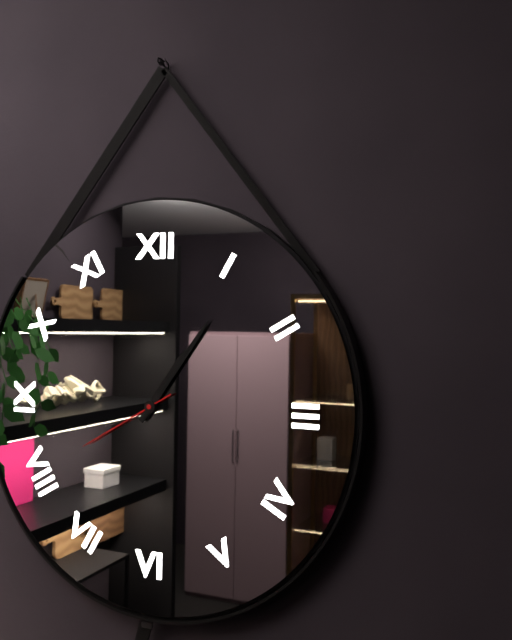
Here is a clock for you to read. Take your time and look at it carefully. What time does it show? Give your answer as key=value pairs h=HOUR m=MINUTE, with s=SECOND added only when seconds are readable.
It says h=1 m=6 s=40
